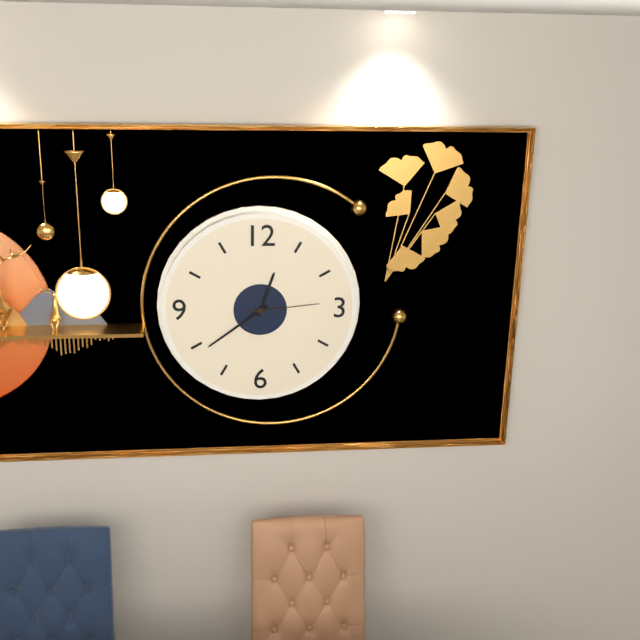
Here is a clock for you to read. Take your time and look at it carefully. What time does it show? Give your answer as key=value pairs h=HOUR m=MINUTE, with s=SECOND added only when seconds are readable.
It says h=12 m=39 s=14
